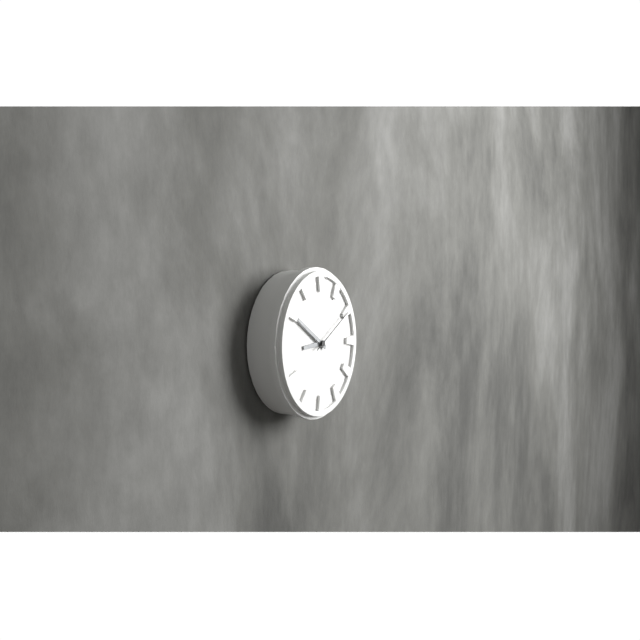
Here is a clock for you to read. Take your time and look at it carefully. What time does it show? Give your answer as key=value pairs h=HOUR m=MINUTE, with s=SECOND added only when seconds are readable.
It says h=8 m=50 s=10
